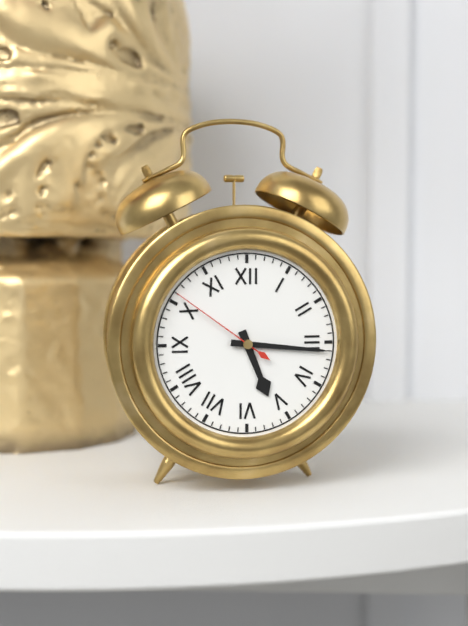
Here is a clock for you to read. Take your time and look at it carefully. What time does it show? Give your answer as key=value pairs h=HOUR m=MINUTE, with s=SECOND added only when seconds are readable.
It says h=5 m=16 s=51
